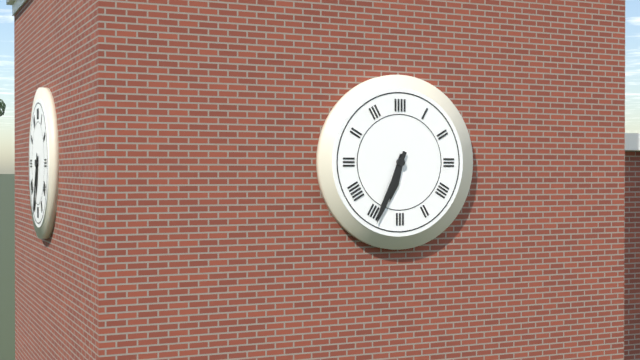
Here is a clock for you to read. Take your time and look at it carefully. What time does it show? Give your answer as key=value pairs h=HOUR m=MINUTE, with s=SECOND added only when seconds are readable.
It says h=6 m=34
